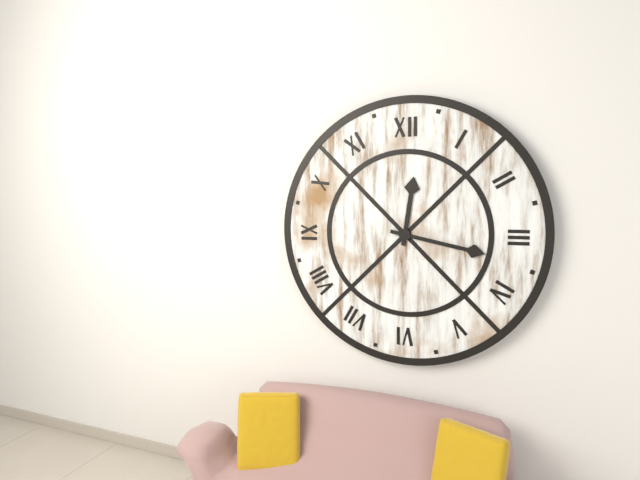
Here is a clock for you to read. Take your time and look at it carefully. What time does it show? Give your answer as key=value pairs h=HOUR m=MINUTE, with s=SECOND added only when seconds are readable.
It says h=12 m=17
